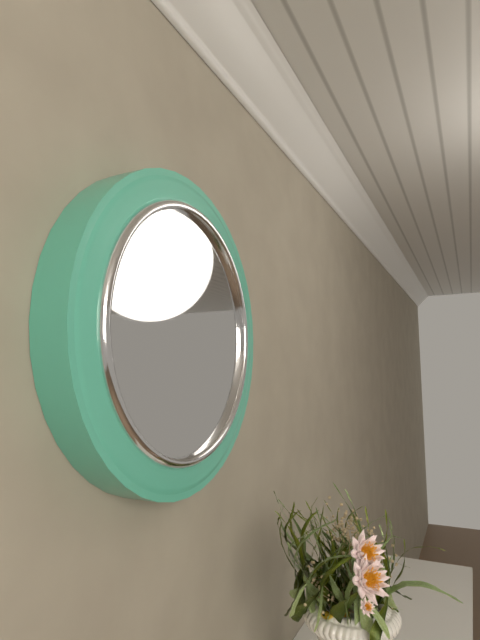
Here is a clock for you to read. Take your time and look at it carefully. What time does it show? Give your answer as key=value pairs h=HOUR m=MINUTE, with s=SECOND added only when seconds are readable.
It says h=7 m=21
